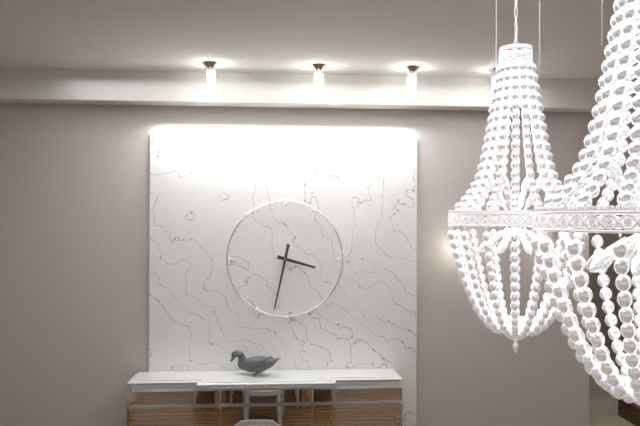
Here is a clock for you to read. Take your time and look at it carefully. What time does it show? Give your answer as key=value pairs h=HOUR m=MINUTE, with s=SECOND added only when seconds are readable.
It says h=3 m=32
